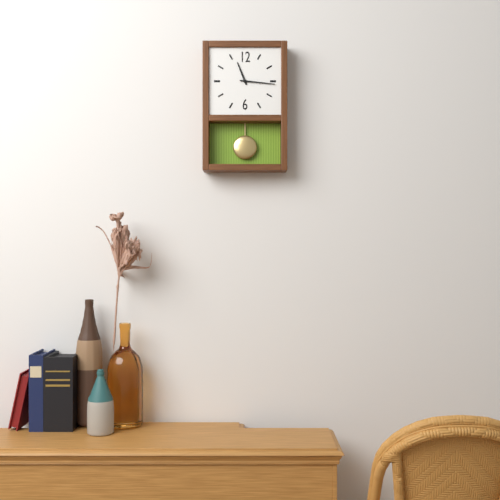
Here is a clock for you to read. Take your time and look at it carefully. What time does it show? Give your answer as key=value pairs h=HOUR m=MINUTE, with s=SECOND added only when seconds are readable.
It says h=11 m=16
